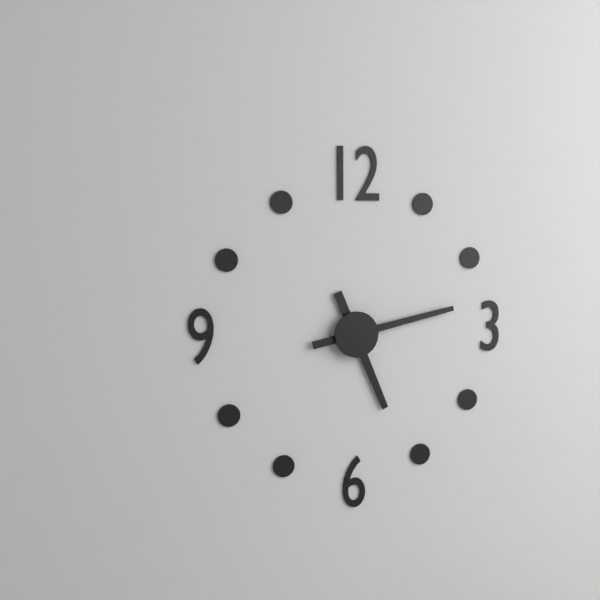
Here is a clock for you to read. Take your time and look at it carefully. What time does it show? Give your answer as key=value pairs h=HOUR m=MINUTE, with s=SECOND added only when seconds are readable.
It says h=5 m=13
